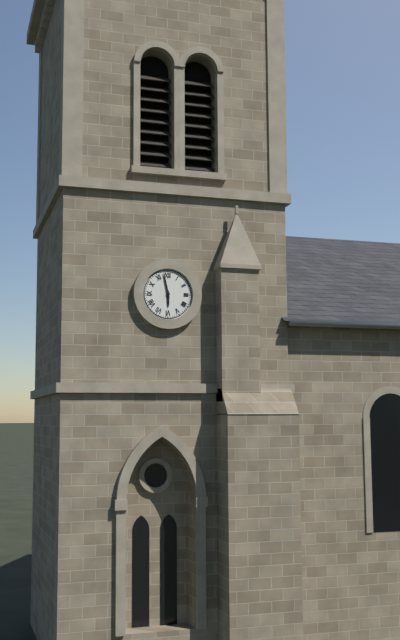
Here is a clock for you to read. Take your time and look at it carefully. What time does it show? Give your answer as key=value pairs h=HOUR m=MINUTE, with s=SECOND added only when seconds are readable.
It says h=5 m=58
